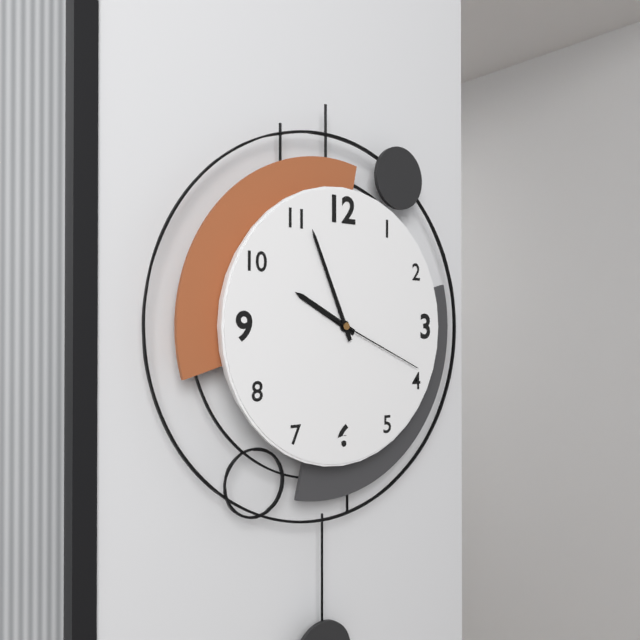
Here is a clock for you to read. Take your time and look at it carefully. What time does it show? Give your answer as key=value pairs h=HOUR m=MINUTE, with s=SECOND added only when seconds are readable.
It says h=9 m=56 s=19
